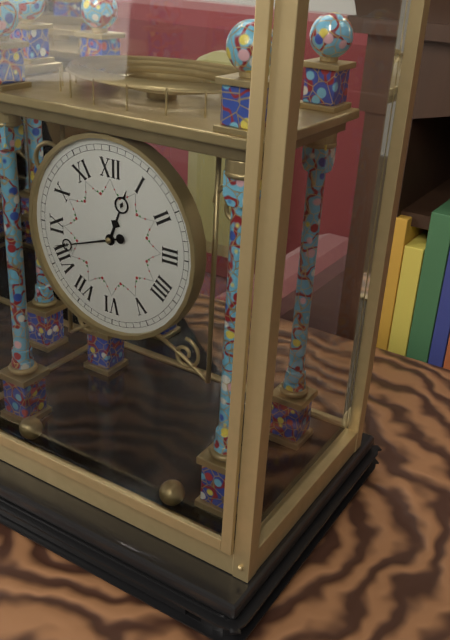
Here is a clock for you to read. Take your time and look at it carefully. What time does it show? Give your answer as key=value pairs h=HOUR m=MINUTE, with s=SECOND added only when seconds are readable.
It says h=12 m=42
